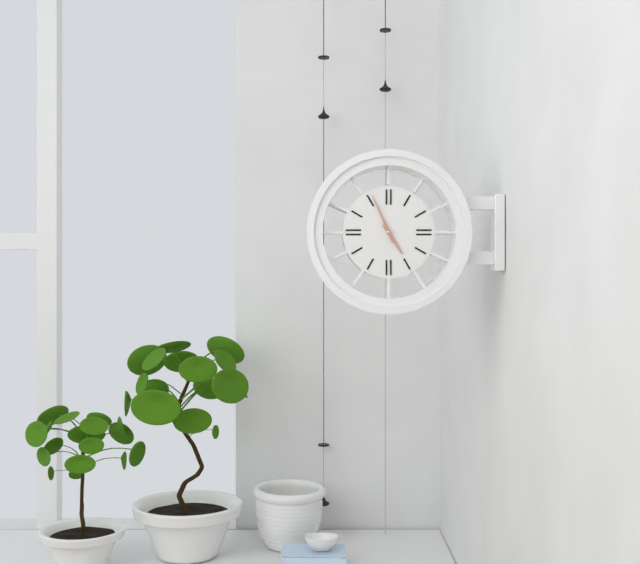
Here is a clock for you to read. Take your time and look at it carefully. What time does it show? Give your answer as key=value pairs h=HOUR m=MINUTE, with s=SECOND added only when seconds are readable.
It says h=4 m=56
